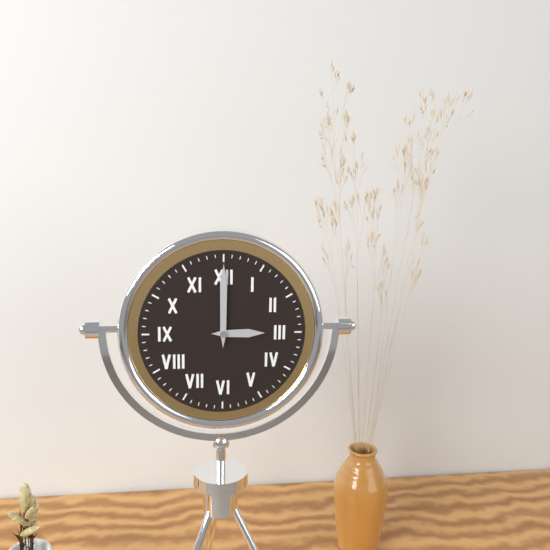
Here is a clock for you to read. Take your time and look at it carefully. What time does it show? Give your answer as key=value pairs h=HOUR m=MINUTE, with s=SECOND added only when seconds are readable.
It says h=3 m=0
